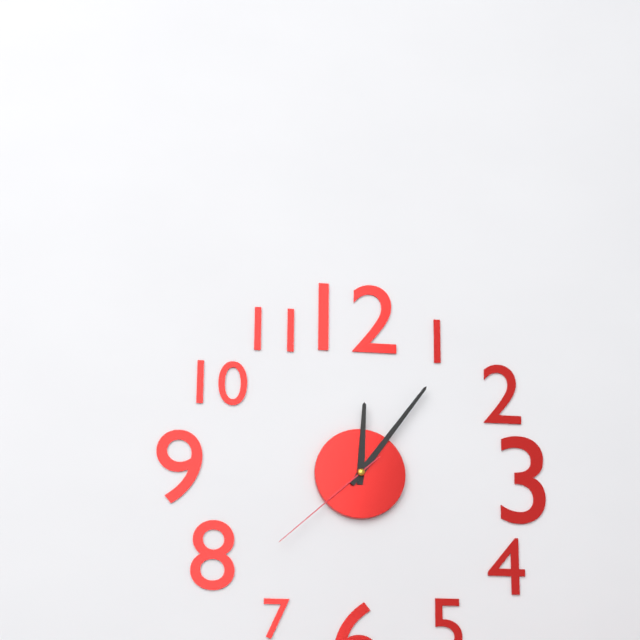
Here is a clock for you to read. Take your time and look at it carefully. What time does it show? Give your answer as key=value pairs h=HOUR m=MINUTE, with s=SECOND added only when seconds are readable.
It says h=12 m=6 s=38
